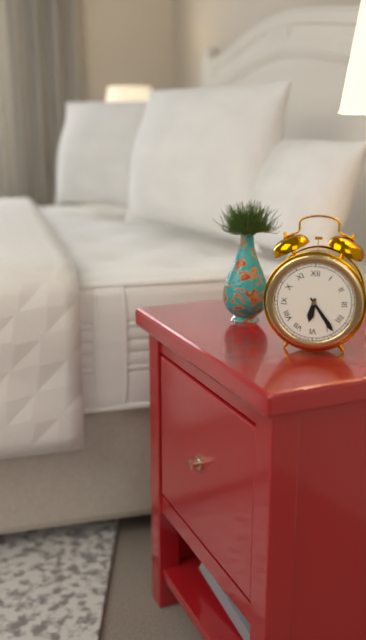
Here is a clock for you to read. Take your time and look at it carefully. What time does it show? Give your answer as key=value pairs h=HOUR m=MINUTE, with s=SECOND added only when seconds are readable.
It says h=6 m=24
